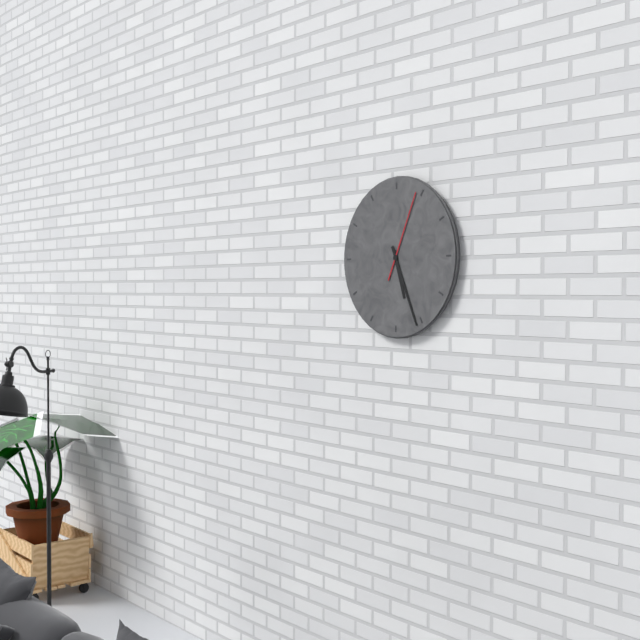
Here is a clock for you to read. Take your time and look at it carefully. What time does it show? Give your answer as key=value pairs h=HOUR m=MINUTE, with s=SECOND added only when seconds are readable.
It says h=5 m=26 s=4
